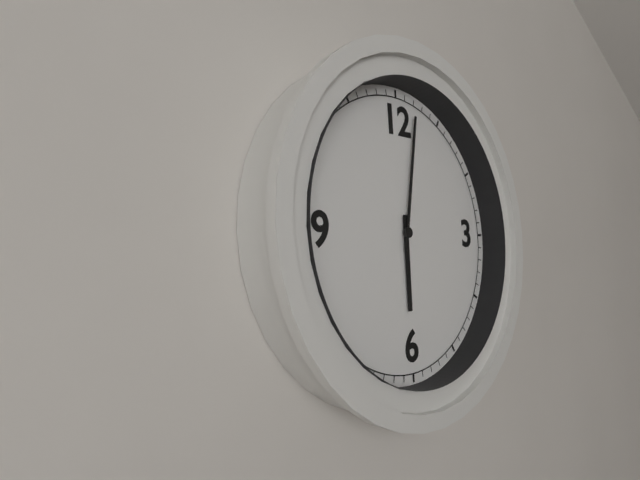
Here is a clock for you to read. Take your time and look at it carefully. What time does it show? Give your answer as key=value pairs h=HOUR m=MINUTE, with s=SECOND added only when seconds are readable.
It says h=6 m=2
